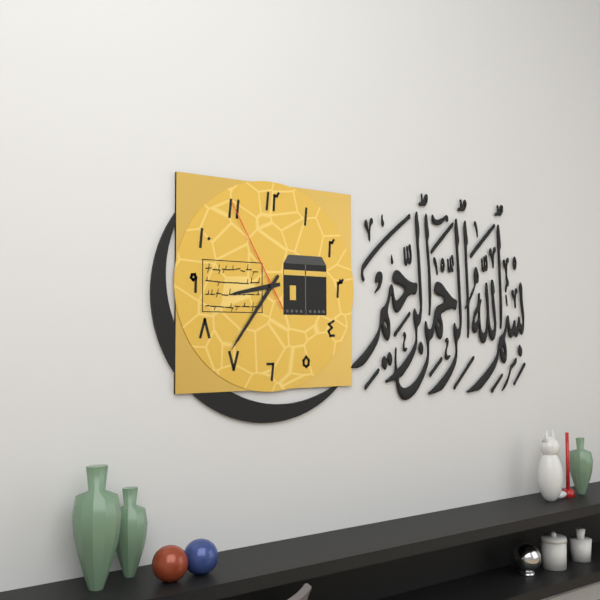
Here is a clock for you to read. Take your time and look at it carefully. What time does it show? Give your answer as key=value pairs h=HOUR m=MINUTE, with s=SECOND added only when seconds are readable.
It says h=8 m=36 s=55
